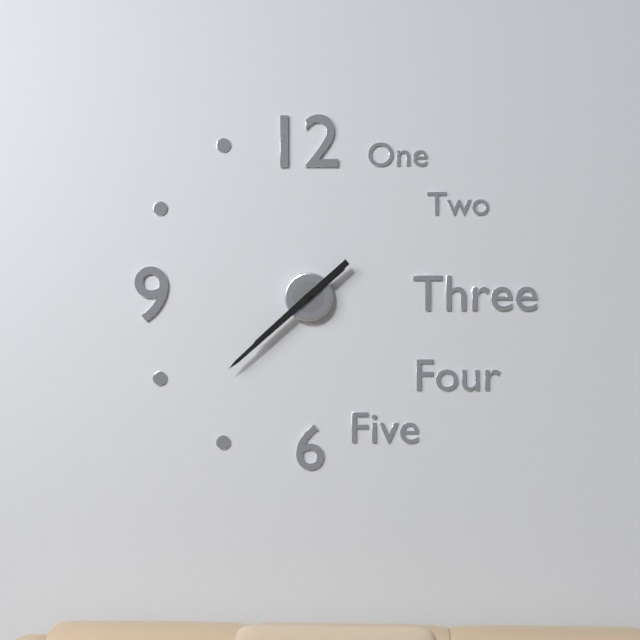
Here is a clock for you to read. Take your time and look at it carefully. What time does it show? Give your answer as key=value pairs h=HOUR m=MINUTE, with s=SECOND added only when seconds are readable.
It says h=7 m=38
